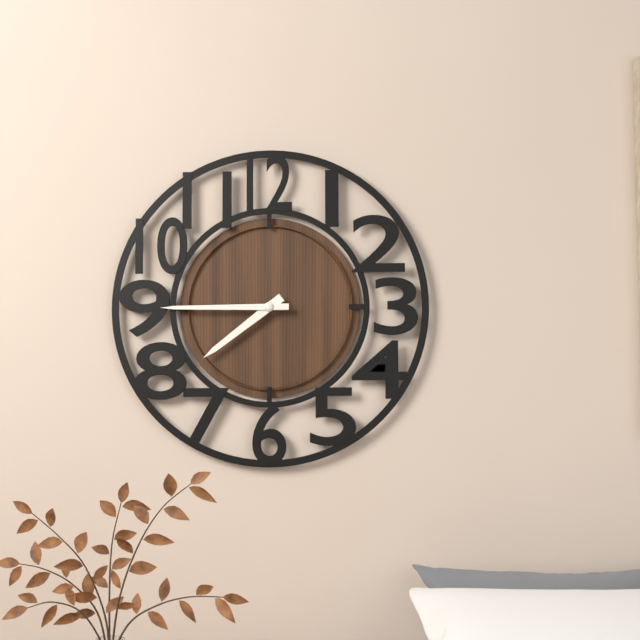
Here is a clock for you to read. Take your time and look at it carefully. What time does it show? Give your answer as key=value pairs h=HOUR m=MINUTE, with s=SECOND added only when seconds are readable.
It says h=7 m=45
